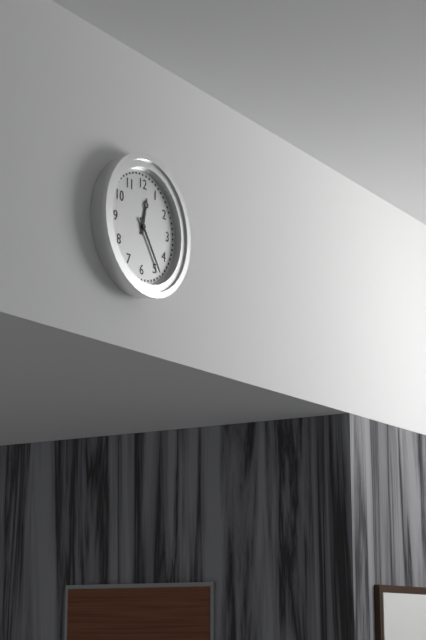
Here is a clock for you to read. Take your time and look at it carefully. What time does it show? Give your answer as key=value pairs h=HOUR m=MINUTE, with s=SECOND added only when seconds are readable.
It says h=12 m=24
